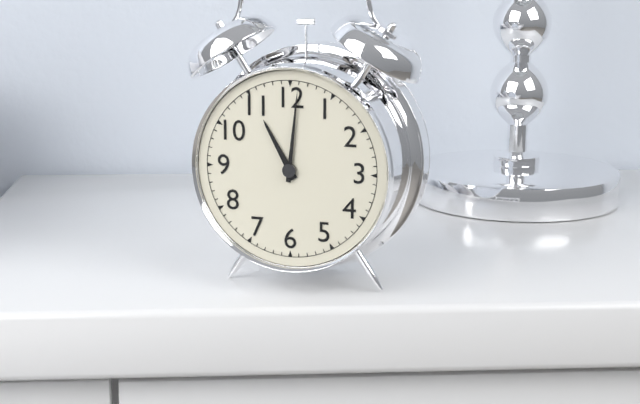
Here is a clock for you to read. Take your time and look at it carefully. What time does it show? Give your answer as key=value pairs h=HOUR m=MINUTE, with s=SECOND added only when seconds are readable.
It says h=11 m=1
